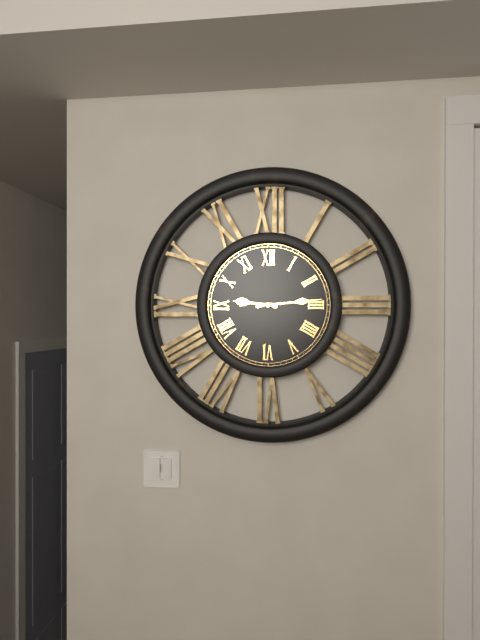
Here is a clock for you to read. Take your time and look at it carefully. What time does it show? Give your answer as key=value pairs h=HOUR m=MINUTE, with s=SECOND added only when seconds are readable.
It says h=9 m=14
